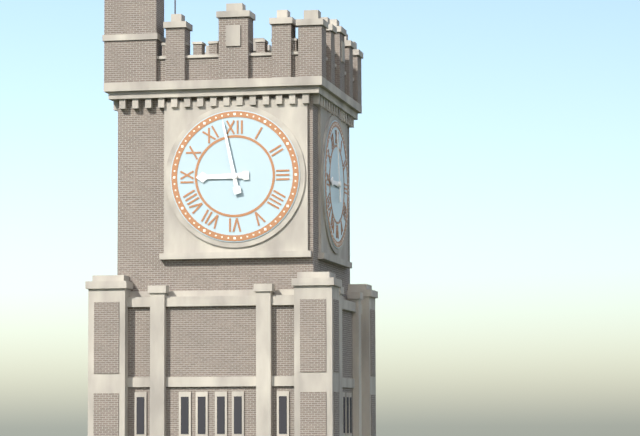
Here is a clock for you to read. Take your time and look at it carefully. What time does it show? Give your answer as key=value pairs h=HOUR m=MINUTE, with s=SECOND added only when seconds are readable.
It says h=8 m=58
